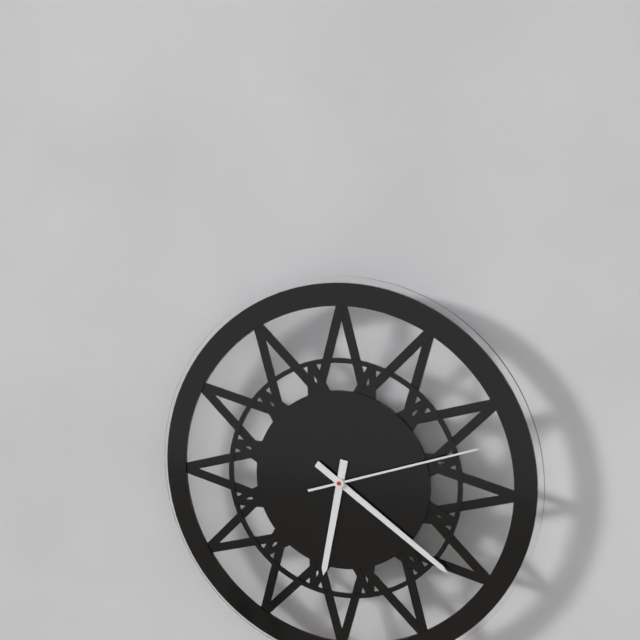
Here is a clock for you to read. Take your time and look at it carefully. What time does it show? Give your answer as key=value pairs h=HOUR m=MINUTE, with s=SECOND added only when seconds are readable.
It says h=6 m=21 s=12
